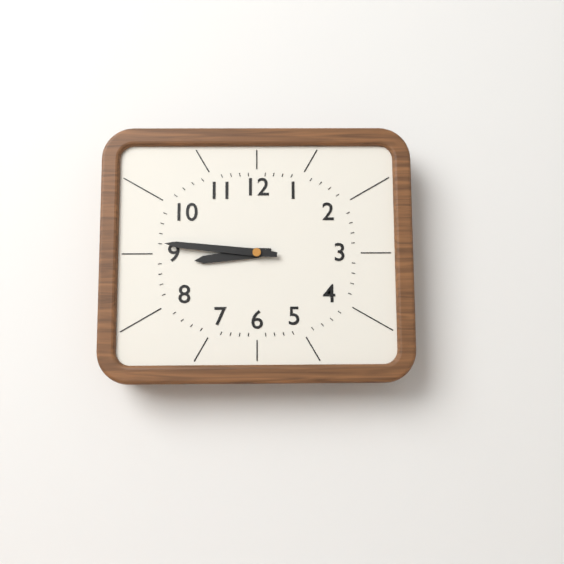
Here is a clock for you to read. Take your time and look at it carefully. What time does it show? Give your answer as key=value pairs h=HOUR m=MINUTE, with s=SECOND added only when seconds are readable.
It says h=8 m=46
